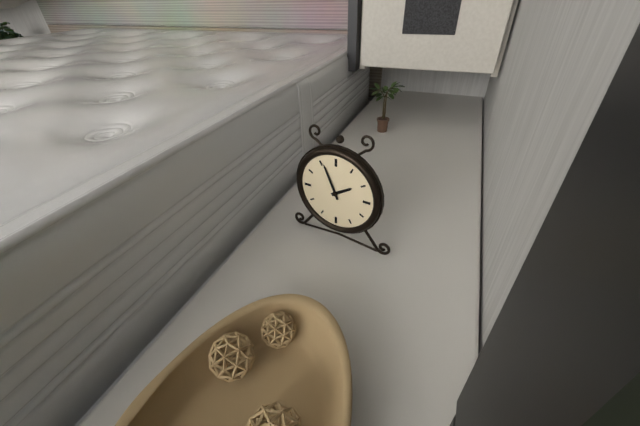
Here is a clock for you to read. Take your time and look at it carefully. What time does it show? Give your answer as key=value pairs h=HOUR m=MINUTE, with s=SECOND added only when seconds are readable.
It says h=1 m=56
